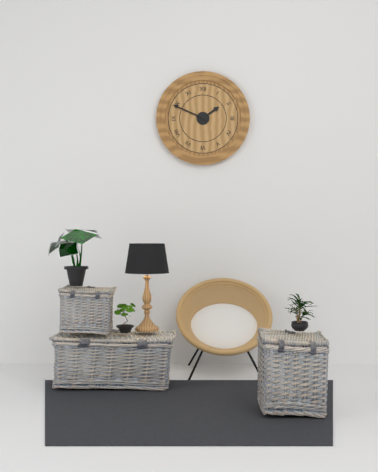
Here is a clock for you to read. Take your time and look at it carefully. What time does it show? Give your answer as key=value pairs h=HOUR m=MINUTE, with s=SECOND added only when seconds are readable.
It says h=1 m=49
